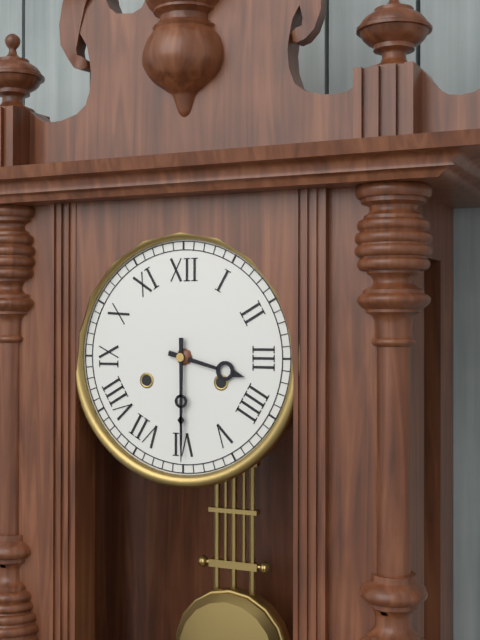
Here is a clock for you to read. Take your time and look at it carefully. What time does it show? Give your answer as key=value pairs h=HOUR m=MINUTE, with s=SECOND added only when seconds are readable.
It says h=3 m=30
